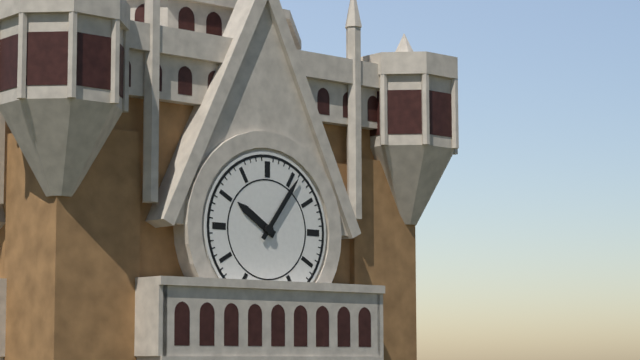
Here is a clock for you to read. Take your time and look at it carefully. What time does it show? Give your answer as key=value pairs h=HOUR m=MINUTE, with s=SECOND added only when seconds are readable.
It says h=10 m=6
